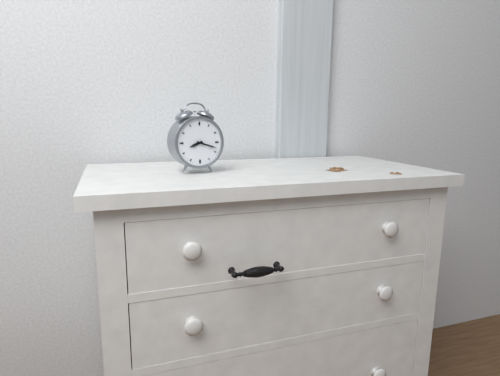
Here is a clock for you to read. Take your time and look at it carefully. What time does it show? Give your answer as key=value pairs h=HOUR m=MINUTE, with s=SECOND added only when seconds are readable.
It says h=8 m=18
